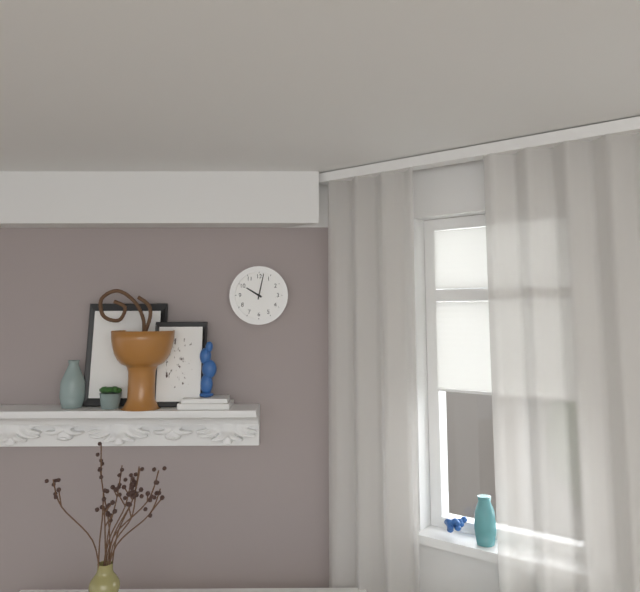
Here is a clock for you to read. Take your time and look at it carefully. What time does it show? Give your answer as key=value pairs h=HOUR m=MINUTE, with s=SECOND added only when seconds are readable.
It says h=10 m=2
